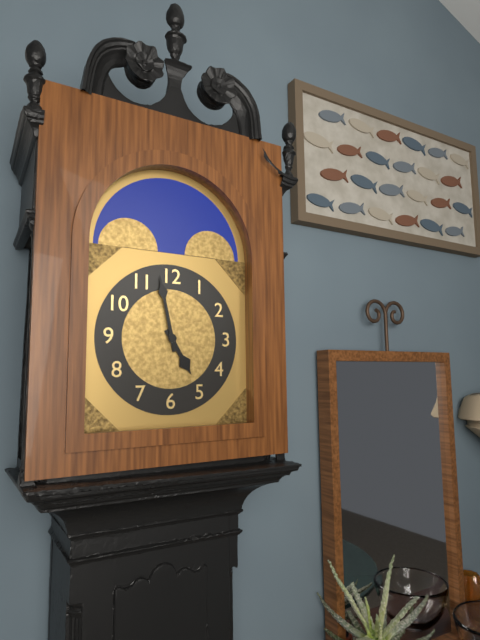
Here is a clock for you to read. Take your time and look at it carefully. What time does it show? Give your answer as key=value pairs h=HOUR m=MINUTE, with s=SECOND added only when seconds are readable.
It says h=4 m=58
